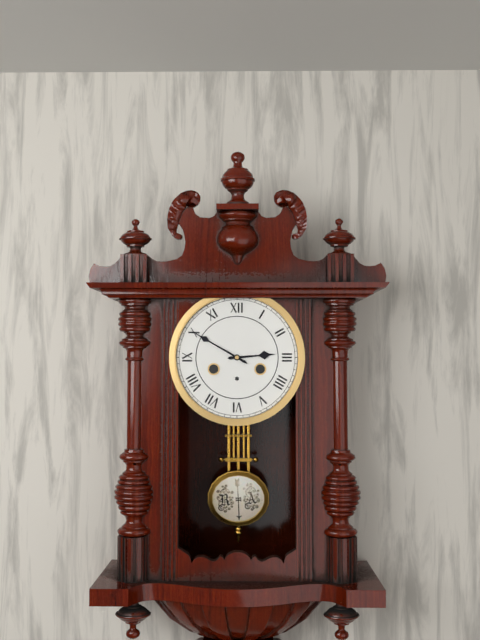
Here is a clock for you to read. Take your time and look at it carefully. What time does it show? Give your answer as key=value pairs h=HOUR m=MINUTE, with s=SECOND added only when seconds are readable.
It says h=2 m=50
